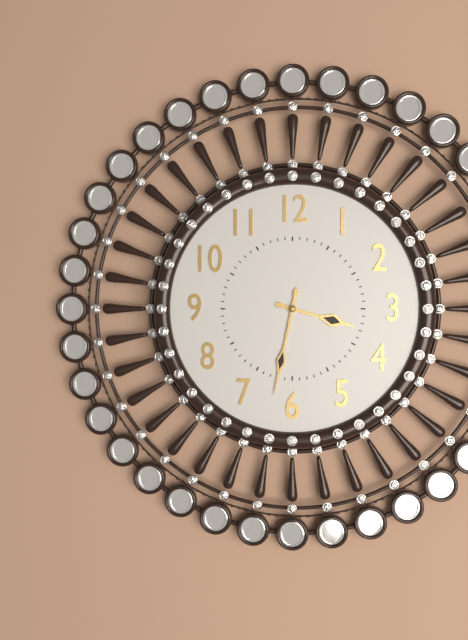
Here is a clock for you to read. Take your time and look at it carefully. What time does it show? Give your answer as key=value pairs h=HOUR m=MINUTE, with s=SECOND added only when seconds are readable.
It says h=3 m=32
